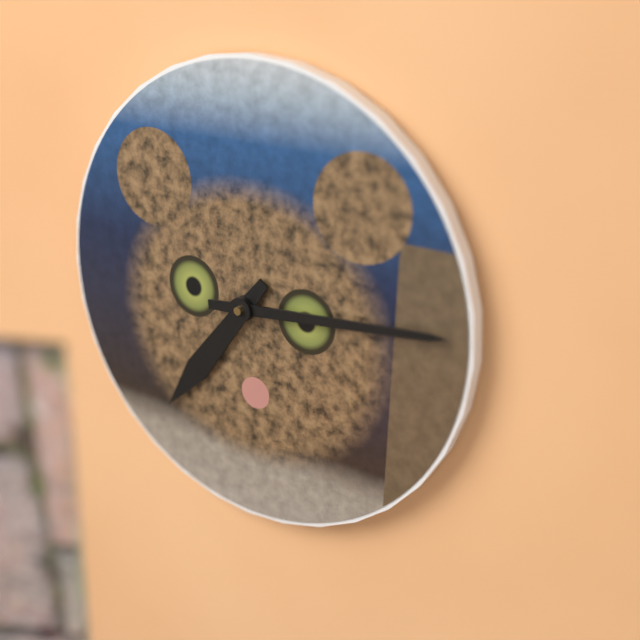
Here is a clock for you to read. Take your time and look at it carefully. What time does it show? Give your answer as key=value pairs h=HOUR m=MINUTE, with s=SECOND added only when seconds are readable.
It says h=7 m=14
